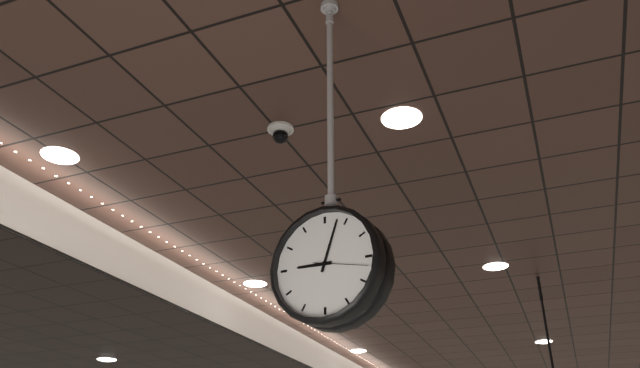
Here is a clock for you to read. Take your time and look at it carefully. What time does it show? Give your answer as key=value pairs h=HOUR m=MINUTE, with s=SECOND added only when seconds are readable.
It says h=9 m=3 s=17
